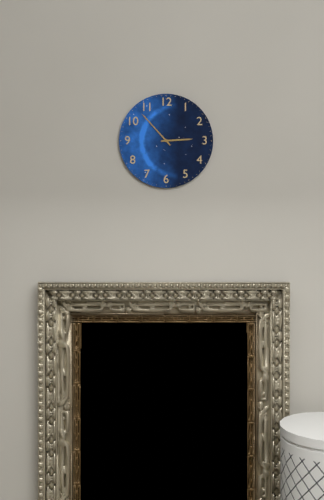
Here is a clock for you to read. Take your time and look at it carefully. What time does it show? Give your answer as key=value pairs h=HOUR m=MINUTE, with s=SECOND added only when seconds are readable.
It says h=2 m=53
